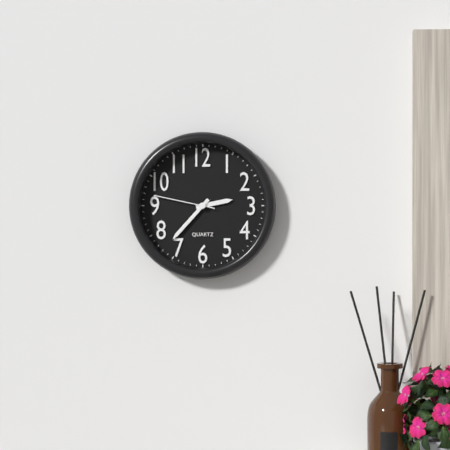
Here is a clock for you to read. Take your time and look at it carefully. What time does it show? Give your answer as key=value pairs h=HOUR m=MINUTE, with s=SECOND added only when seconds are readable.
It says h=2 m=37 s=47
